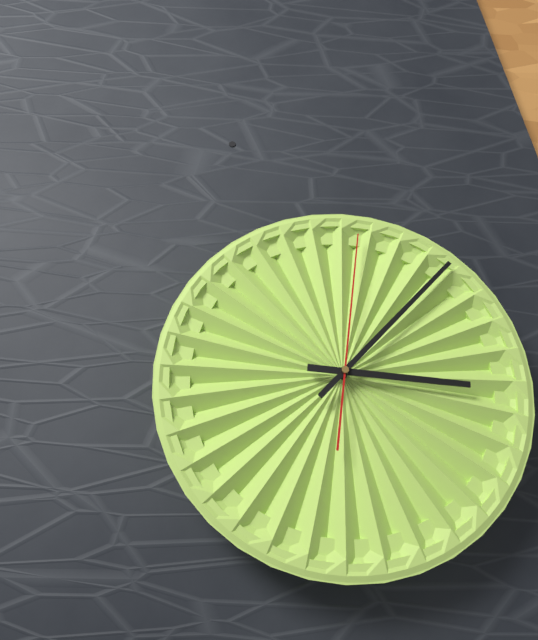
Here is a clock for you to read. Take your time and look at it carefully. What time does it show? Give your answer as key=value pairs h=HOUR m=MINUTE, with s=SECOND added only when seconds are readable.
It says h=3 m=7 s=1
